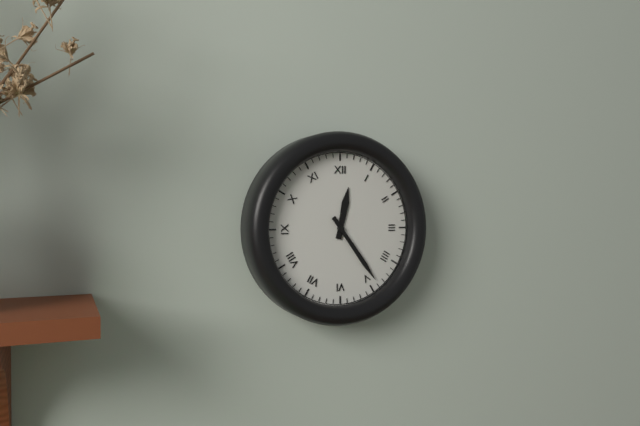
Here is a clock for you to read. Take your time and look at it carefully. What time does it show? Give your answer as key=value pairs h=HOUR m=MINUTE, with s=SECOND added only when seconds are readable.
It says h=12 m=24
